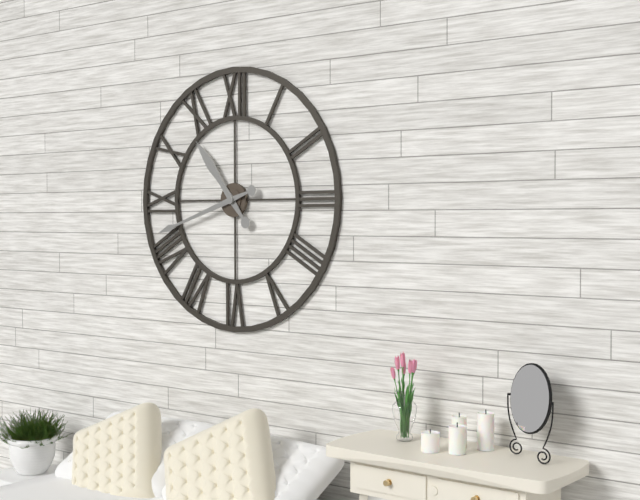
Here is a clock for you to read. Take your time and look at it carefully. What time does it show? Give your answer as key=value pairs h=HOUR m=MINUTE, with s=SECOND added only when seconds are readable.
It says h=10 m=42
